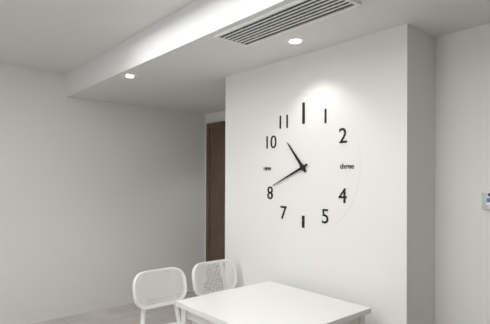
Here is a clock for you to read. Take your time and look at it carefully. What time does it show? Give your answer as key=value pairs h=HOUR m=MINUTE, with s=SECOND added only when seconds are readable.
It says h=10 m=41
